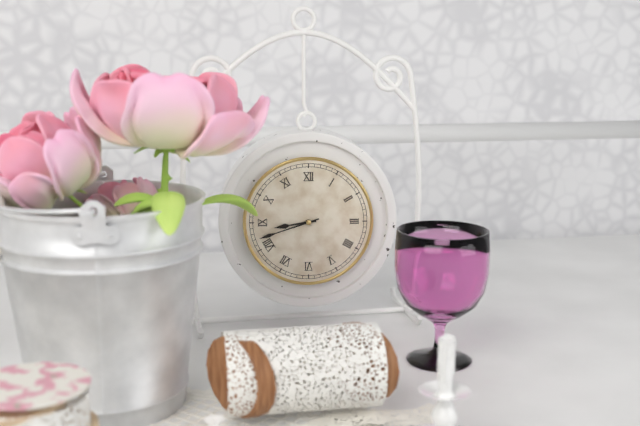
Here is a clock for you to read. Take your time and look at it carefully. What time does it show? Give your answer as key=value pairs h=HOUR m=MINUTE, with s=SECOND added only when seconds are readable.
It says h=8 m=42
